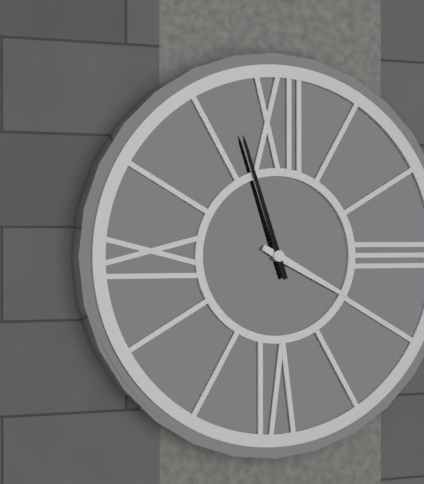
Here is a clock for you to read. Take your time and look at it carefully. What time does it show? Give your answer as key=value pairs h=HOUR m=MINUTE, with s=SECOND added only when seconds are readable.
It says h=3 m=57
